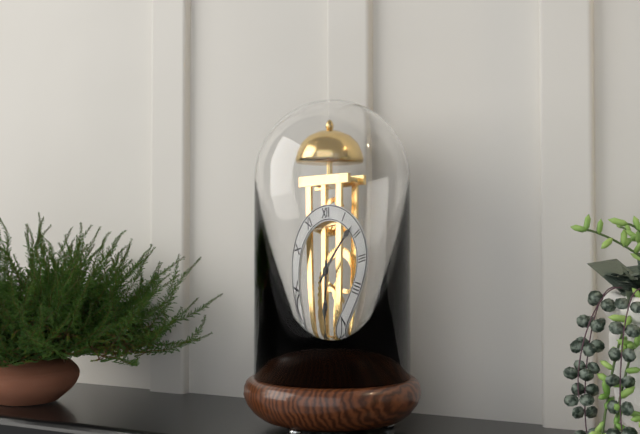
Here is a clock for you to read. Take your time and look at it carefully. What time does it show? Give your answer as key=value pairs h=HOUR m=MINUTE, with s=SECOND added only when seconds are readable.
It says h=6 m=8
